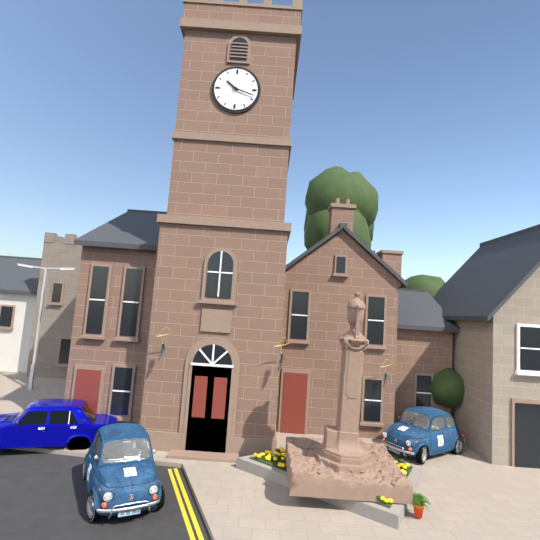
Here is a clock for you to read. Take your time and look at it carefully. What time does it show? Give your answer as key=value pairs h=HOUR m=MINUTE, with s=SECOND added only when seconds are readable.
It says h=10 m=18
